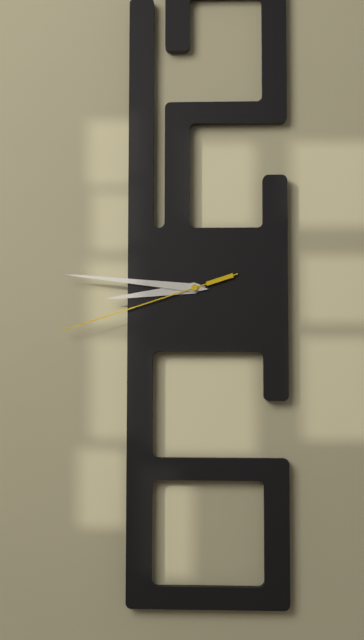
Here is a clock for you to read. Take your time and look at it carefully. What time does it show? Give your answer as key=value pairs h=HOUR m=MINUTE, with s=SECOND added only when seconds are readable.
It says h=8 m=46 s=42
